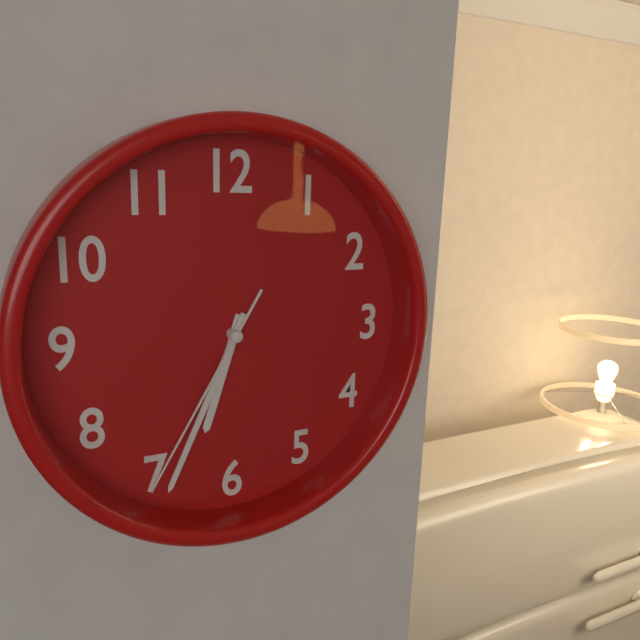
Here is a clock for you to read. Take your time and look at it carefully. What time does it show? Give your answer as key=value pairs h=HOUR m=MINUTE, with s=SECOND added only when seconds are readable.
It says h=6 m=34 s=35
